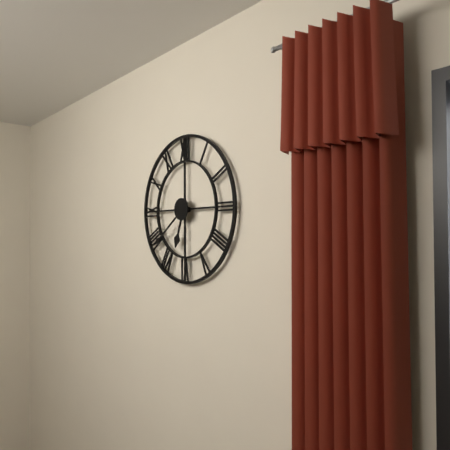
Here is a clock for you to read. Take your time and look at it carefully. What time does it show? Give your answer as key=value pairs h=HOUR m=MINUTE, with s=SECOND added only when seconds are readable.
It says h=6 m=39
